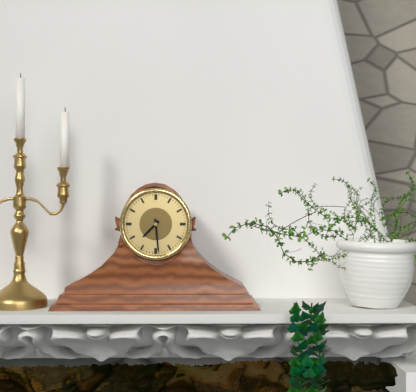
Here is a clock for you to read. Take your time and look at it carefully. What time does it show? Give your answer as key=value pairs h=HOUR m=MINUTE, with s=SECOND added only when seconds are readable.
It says h=7 m=29
